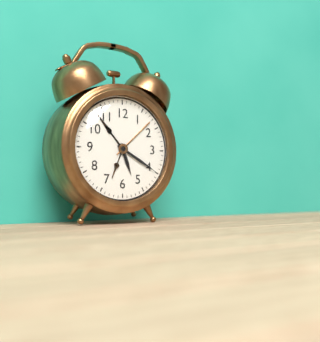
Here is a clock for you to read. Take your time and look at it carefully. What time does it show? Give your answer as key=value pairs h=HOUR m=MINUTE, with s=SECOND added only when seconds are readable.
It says h=5 m=20
